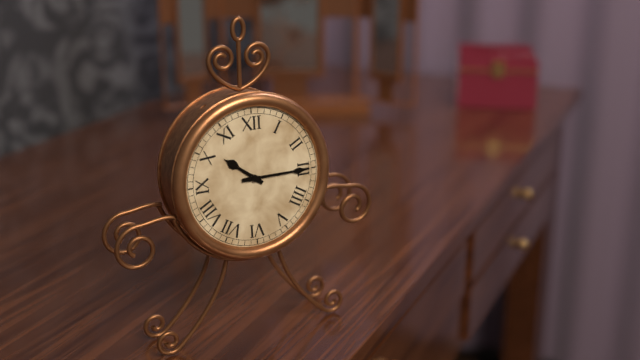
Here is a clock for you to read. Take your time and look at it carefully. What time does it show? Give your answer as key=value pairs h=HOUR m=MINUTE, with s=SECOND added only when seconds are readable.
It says h=10 m=15
